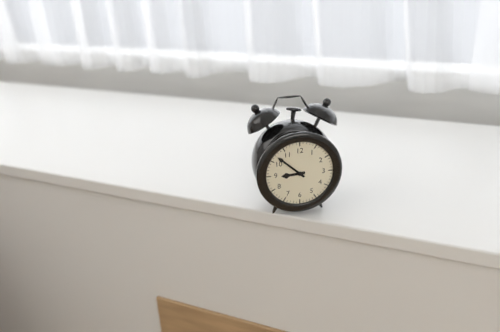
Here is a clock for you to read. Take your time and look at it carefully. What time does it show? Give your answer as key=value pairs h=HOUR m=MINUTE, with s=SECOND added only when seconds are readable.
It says h=8 m=52
